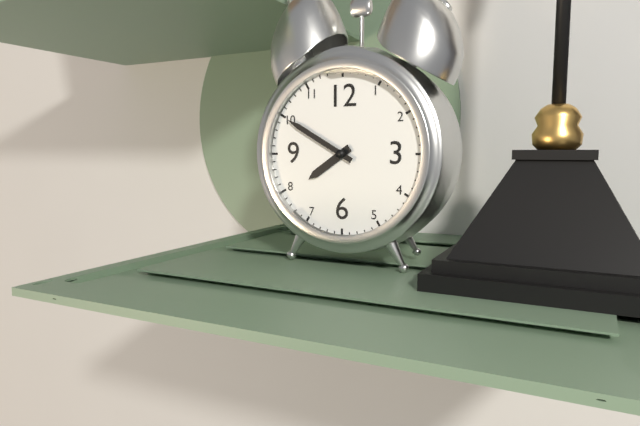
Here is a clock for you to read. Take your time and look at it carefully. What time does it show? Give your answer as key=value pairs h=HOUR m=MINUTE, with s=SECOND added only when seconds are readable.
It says h=7 m=50
